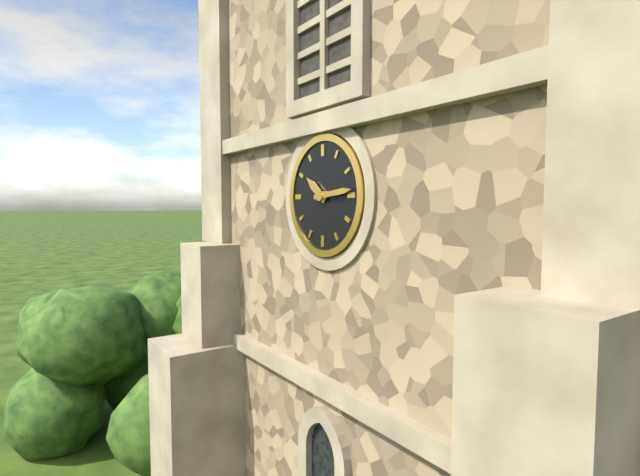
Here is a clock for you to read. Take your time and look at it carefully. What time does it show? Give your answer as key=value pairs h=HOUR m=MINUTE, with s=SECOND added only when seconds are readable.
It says h=10 m=14
